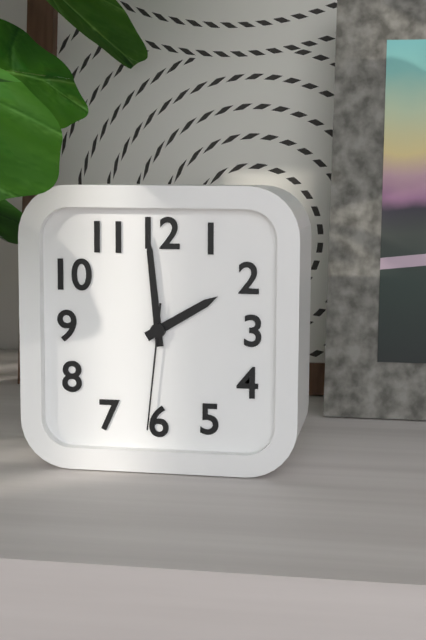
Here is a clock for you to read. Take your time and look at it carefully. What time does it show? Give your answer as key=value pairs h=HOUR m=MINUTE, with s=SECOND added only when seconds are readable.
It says h=1 m=59 s=31
